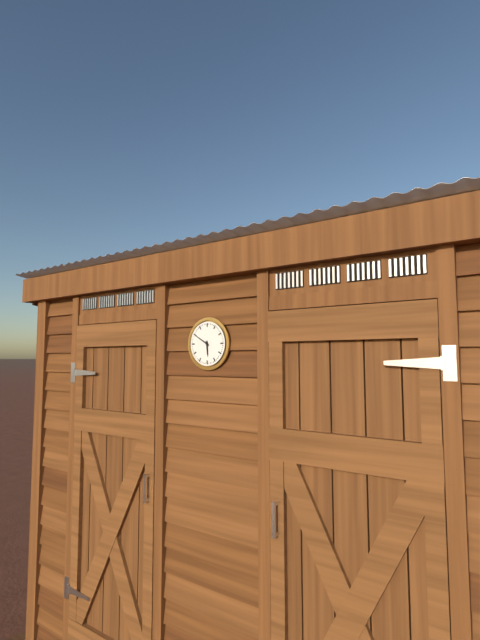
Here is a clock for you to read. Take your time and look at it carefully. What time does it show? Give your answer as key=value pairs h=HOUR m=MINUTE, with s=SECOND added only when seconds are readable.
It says h=5 m=50
